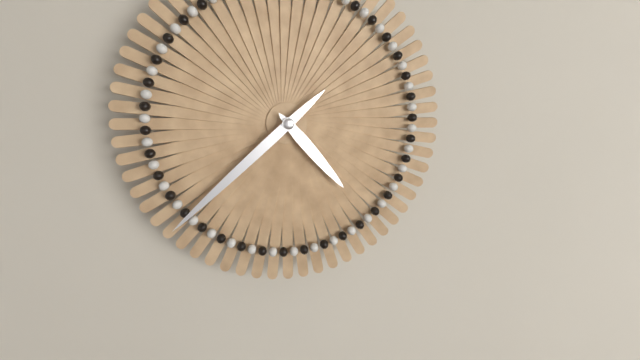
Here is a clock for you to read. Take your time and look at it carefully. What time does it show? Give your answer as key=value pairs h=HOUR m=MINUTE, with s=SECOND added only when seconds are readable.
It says h=4 m=38
